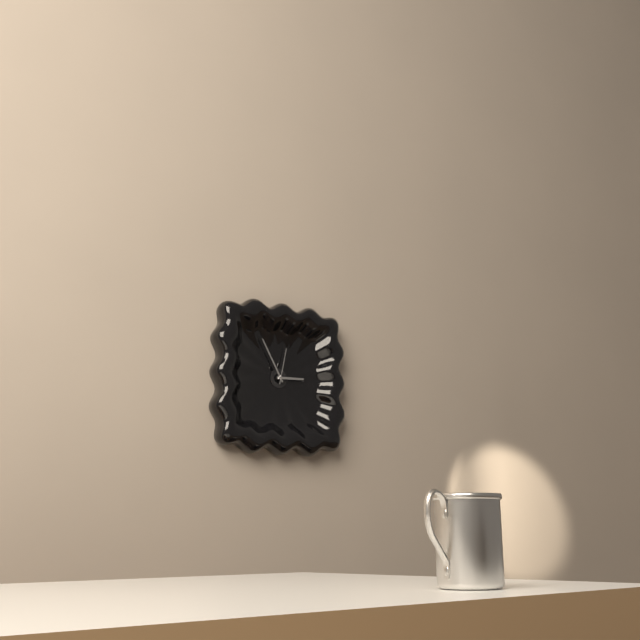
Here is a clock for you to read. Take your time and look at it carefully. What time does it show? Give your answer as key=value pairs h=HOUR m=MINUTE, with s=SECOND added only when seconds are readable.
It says h=2 m=55
